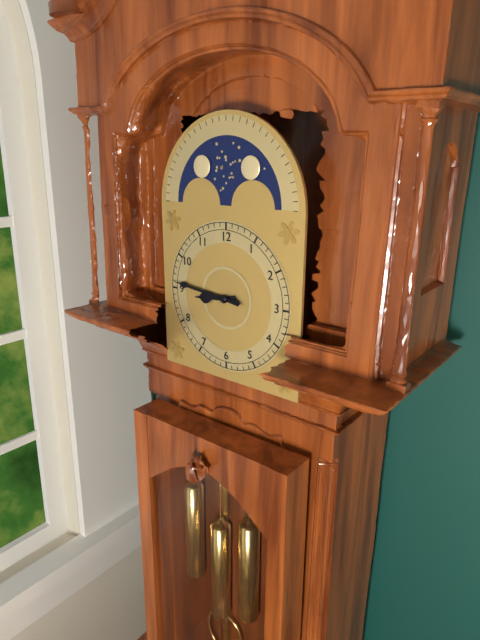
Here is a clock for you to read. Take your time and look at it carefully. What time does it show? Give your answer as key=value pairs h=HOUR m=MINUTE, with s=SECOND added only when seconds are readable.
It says h=8 m=46
